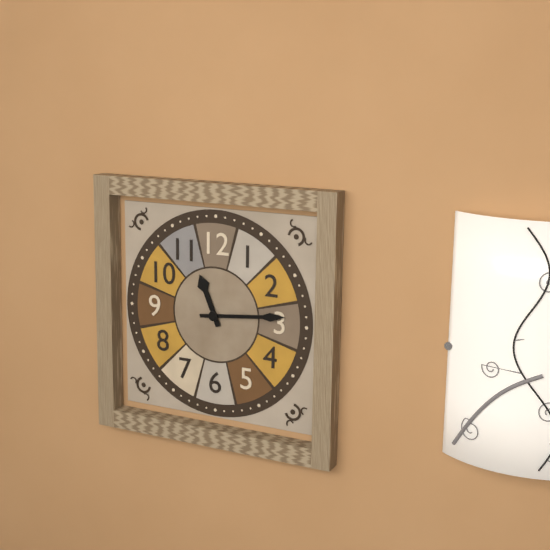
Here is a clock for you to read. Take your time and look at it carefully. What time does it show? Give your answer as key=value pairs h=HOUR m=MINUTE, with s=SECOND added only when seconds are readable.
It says h=11 m=14
